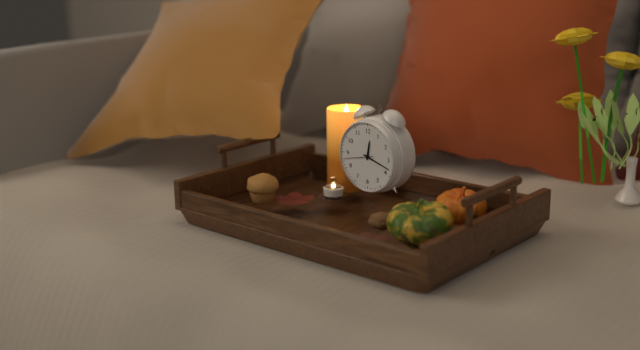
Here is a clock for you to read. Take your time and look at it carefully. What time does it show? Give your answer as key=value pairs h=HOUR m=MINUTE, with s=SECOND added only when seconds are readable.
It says h=12 m=18
